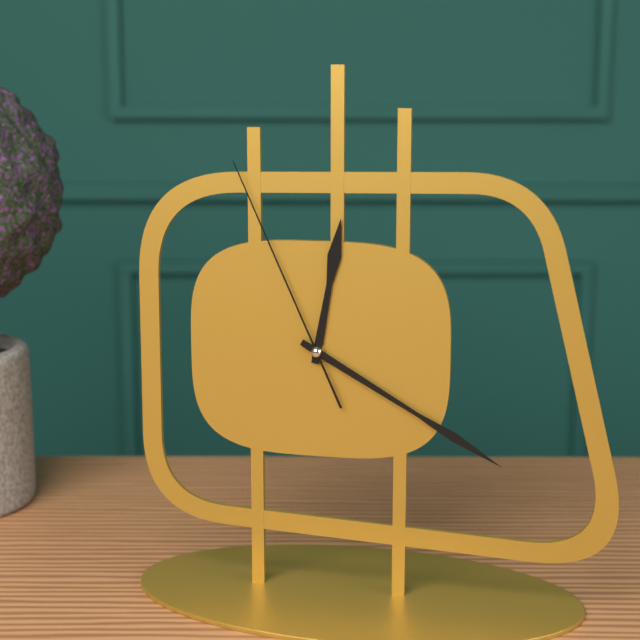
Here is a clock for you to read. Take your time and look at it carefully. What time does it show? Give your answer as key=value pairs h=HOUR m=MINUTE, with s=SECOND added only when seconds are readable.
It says h=12 m=20 s=56
